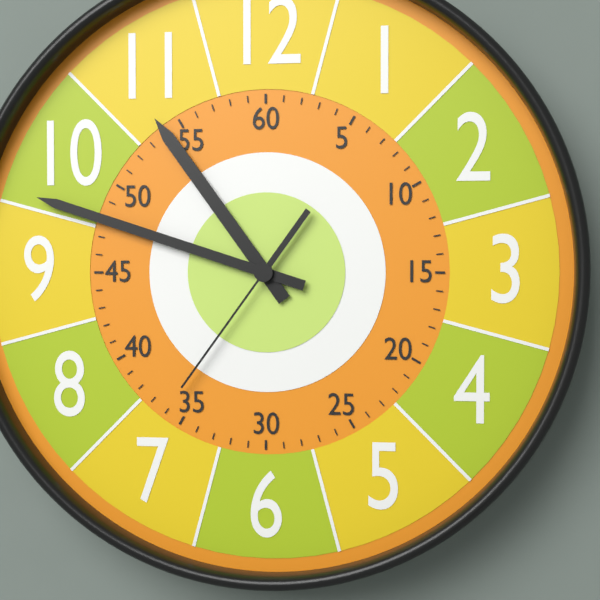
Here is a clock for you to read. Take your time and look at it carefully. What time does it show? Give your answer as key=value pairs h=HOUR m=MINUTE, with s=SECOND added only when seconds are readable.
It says h=10 m=48 s=36
